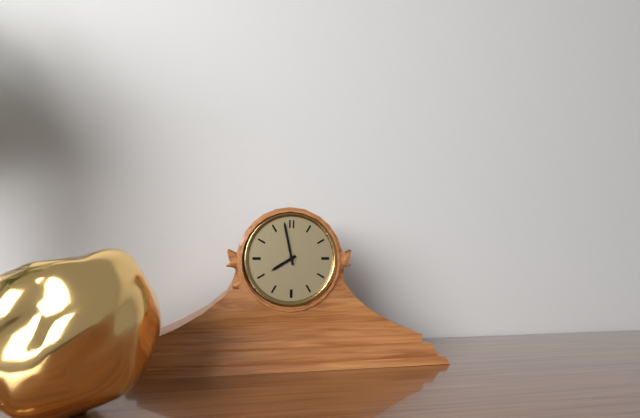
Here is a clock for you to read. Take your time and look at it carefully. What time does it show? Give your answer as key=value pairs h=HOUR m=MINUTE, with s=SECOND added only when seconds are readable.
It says h=7 m=58
